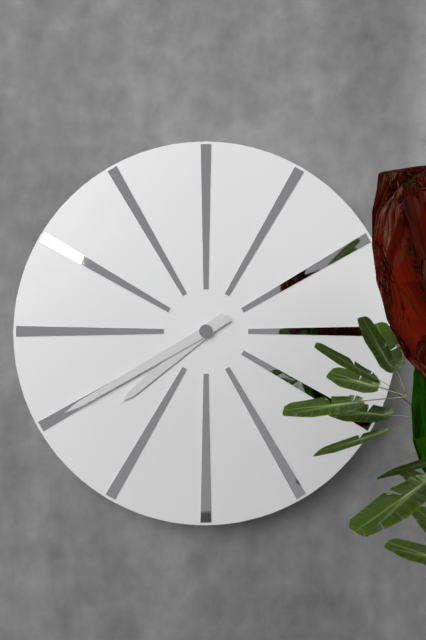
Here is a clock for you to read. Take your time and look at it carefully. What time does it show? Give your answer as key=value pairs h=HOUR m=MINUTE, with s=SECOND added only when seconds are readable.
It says h=7 m=40
